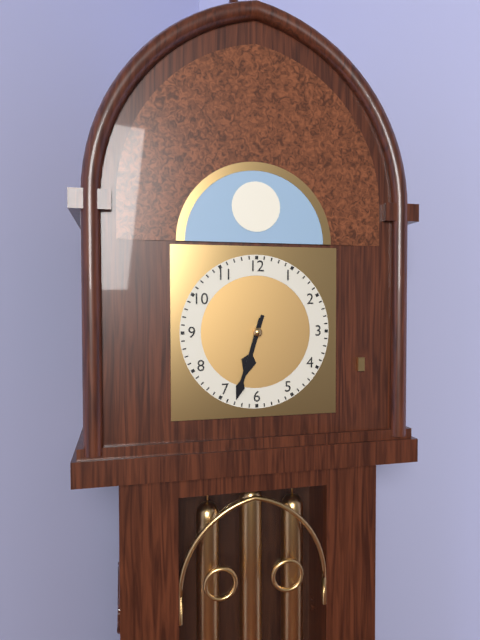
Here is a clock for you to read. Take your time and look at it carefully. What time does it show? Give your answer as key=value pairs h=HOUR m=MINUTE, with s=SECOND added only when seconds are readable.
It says h=6 m=33
